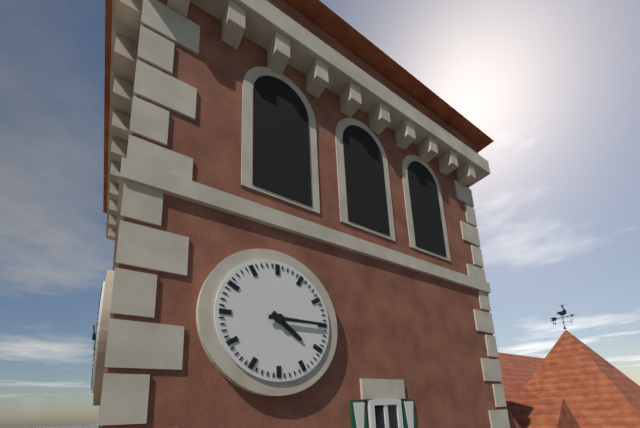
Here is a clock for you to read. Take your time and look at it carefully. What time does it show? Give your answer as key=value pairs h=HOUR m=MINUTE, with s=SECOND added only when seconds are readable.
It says h=4 m=15
